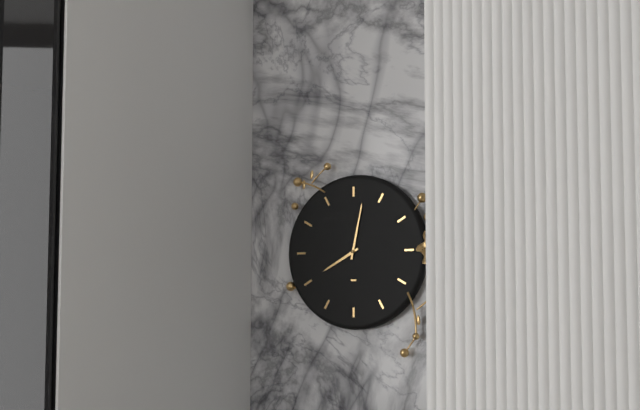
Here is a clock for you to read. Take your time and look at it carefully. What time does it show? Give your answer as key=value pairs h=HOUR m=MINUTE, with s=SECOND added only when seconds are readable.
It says h=8 m=2
